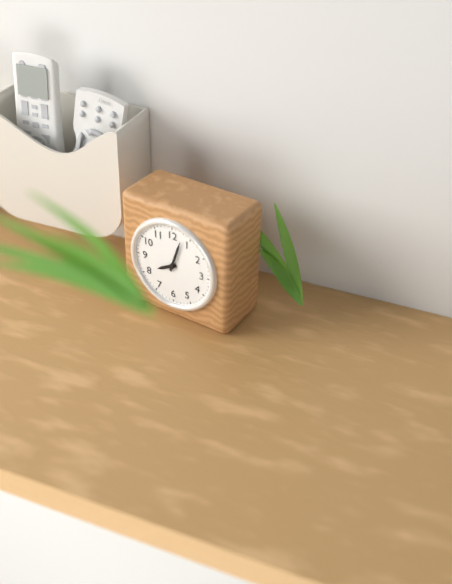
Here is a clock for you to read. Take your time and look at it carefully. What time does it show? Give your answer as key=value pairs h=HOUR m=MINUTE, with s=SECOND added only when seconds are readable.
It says h=8 m=3
